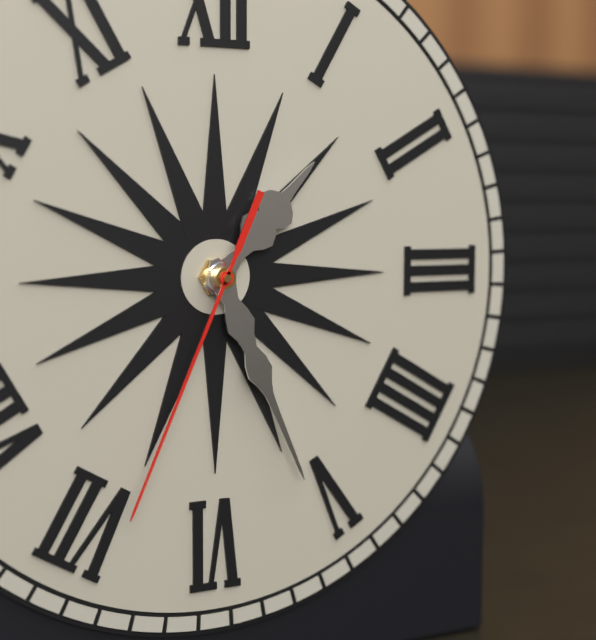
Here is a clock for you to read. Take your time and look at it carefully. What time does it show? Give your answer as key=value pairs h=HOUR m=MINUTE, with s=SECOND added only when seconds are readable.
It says h=1 m=26 s=34
